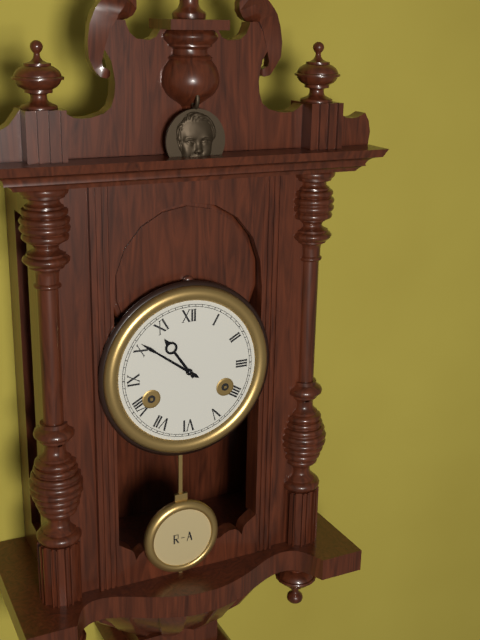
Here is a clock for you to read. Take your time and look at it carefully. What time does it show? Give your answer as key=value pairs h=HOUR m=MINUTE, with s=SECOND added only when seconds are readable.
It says h=10 m=51
